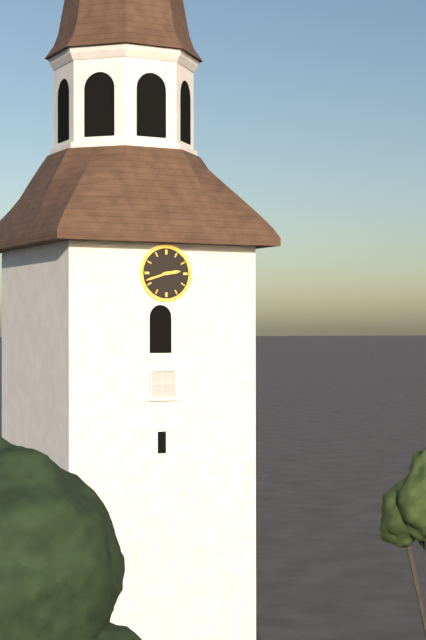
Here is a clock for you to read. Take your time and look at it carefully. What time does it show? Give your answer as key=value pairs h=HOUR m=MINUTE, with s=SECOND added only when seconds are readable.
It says h=2 m=42
